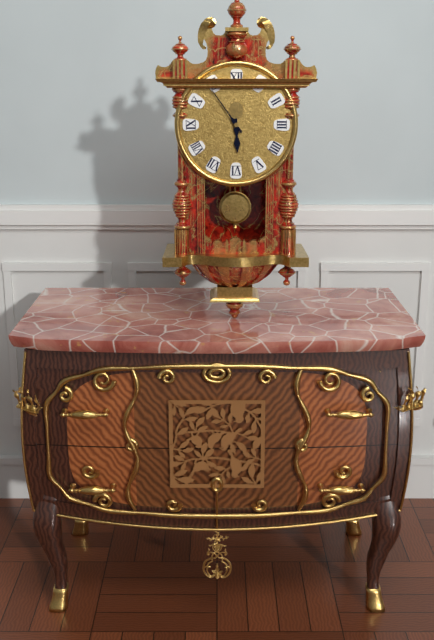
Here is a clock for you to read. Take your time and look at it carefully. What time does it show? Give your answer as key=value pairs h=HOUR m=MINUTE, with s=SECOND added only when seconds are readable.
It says h=5 m=54
